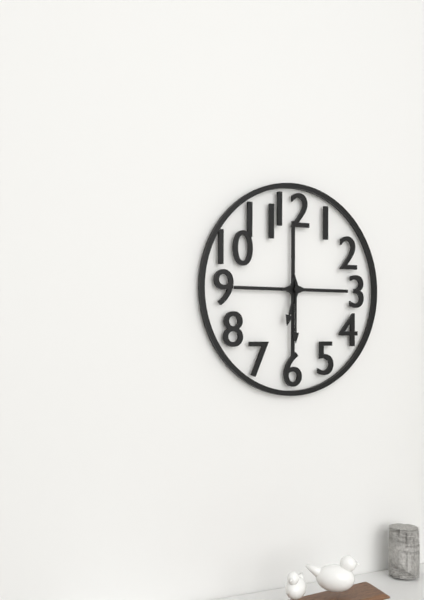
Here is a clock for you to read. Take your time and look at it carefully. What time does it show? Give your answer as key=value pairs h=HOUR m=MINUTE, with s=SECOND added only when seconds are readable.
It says h=6 m=30
